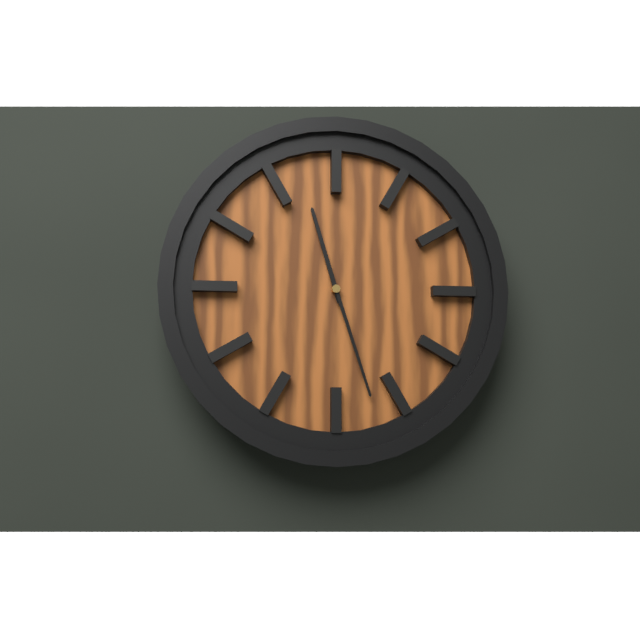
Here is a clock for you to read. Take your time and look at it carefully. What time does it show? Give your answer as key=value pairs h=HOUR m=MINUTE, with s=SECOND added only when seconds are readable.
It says h=11 m=27
